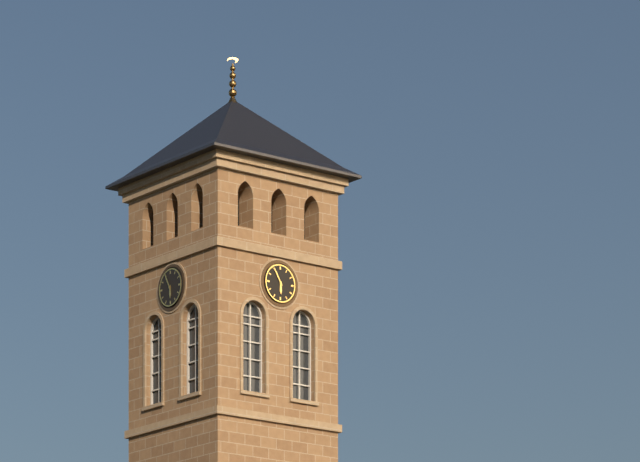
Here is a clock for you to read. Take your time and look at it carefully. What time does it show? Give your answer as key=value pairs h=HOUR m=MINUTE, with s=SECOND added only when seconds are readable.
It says h=5 m=55
